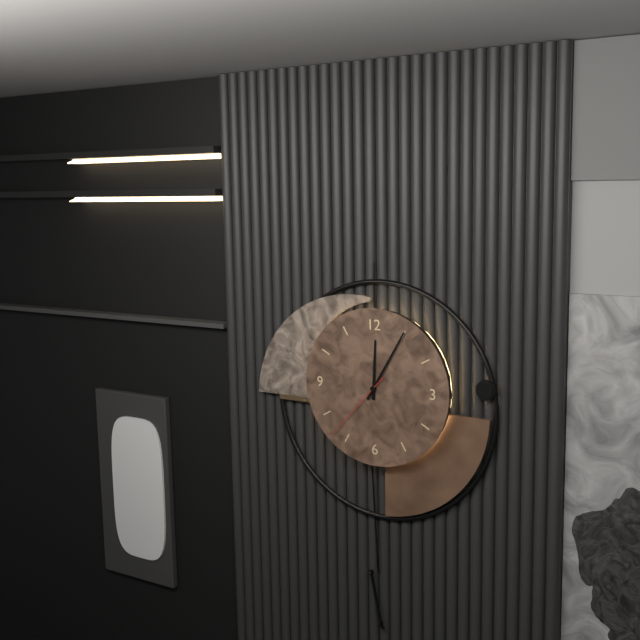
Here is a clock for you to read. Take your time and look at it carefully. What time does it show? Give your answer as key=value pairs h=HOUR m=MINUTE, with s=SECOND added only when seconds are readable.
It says h=12 m=5 s=37
